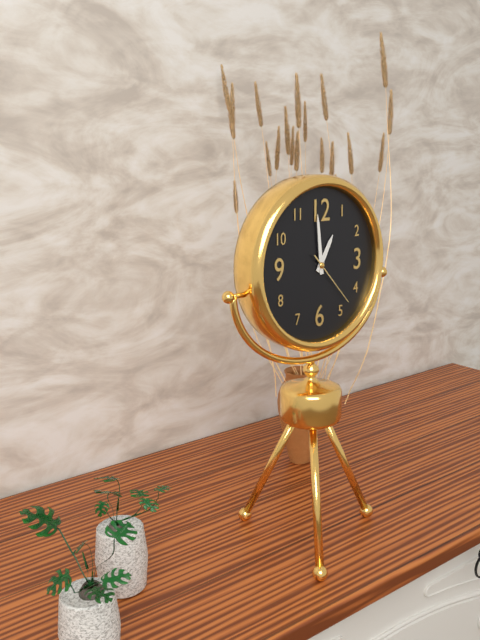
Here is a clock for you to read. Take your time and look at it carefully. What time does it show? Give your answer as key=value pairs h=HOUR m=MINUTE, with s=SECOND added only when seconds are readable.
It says h=12 m=59 s=23
